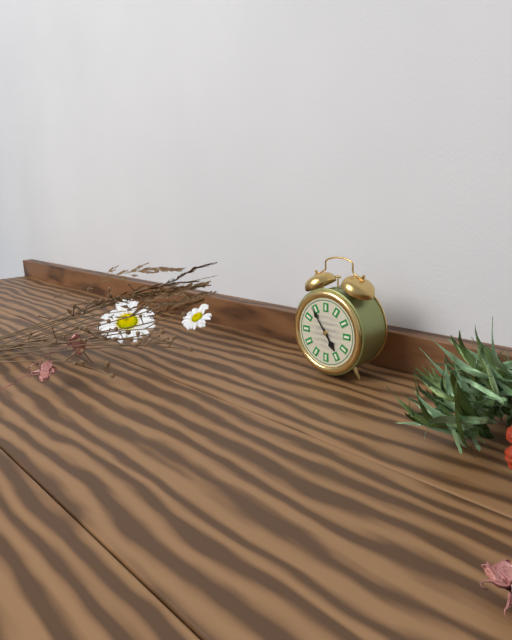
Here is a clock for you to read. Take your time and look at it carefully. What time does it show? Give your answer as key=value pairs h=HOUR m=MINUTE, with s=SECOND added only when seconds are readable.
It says h=4 m=54
